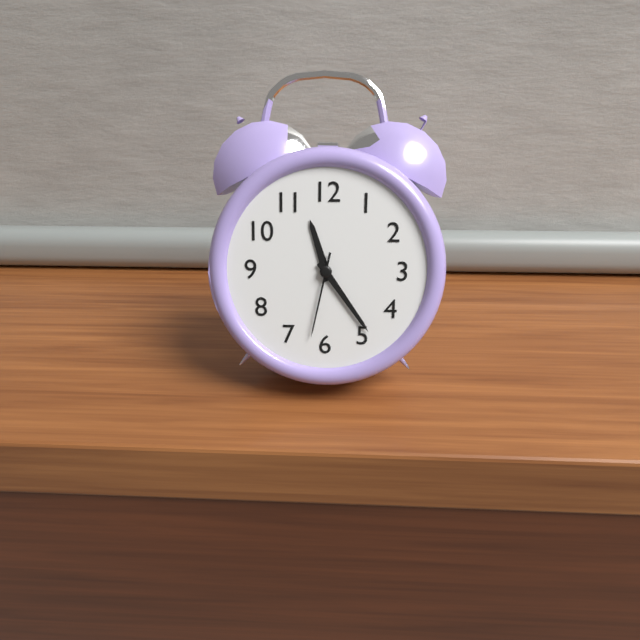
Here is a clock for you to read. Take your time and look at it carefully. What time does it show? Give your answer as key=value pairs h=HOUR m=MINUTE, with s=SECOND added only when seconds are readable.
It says h=11 m=24 s=32
